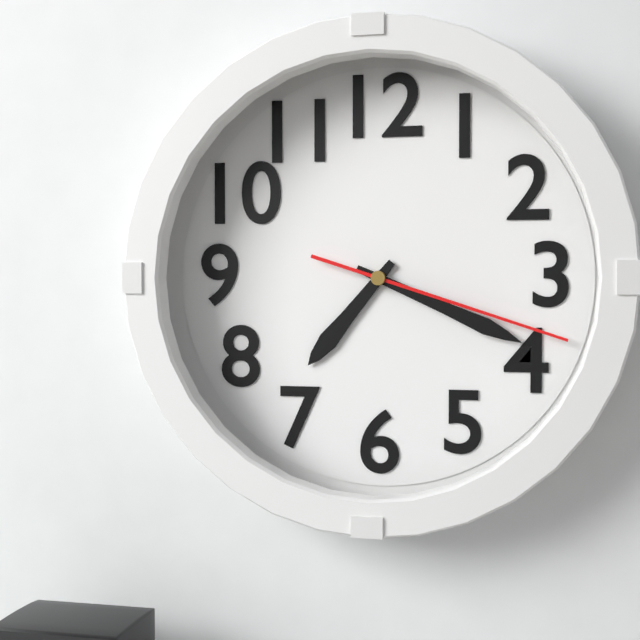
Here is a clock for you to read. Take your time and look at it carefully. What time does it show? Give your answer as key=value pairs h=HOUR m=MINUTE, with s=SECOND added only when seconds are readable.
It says h=7 m=19 s=18
